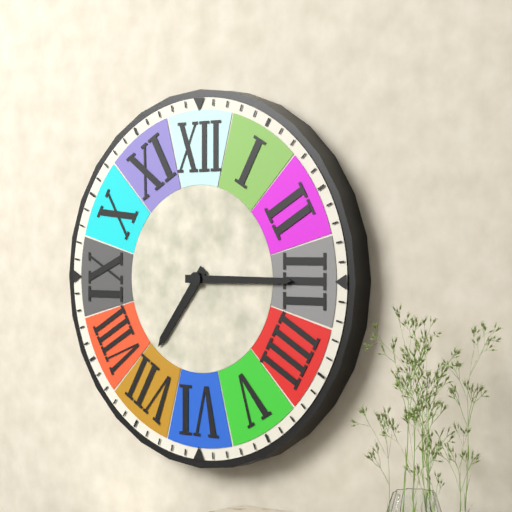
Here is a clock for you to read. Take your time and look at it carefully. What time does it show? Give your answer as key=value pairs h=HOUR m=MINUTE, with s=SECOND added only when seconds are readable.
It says h=7 m=15
